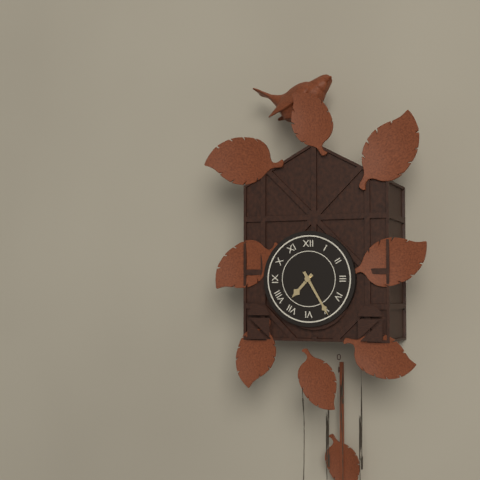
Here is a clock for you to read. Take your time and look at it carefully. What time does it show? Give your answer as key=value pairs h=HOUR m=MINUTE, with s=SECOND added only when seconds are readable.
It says h=7 m=25
